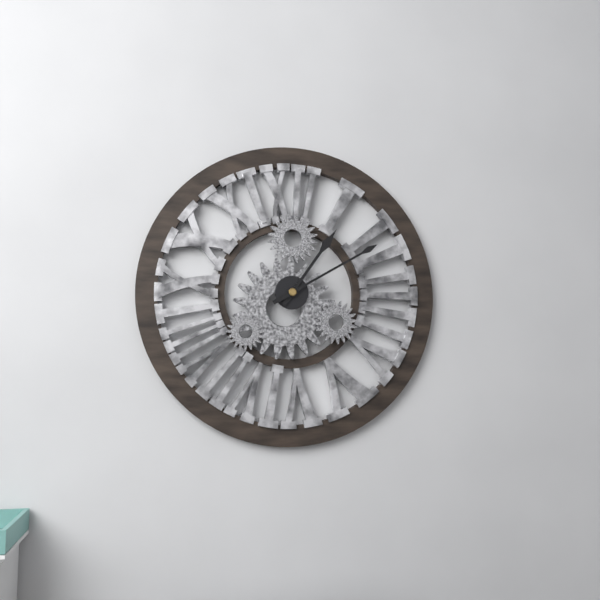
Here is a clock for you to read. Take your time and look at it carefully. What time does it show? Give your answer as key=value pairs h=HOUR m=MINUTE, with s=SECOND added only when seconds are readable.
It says h=1 m=10
